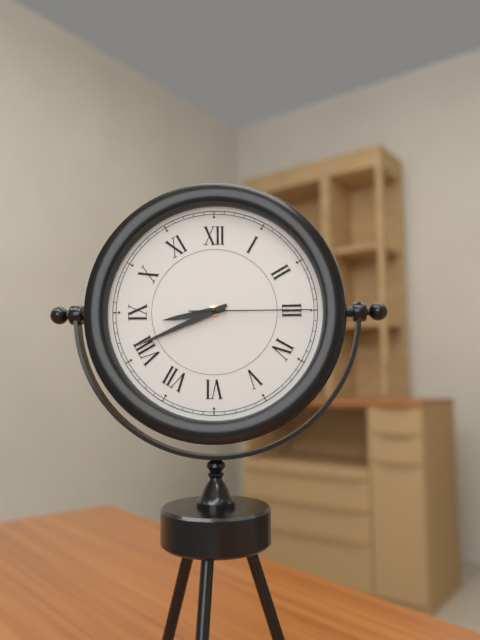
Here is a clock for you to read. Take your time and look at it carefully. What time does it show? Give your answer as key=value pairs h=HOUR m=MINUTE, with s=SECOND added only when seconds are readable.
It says h=8 m=41 s=15
